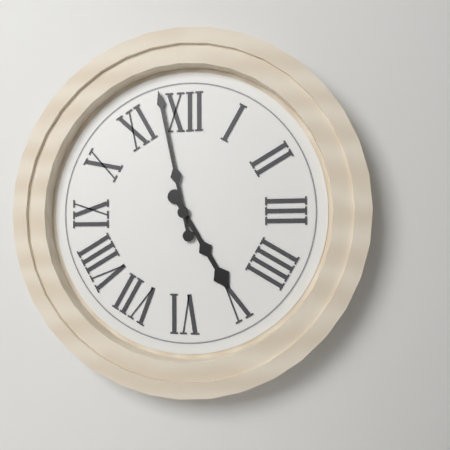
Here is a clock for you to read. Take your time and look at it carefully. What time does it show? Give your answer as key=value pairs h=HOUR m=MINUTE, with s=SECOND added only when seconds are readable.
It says h=4 m=58
